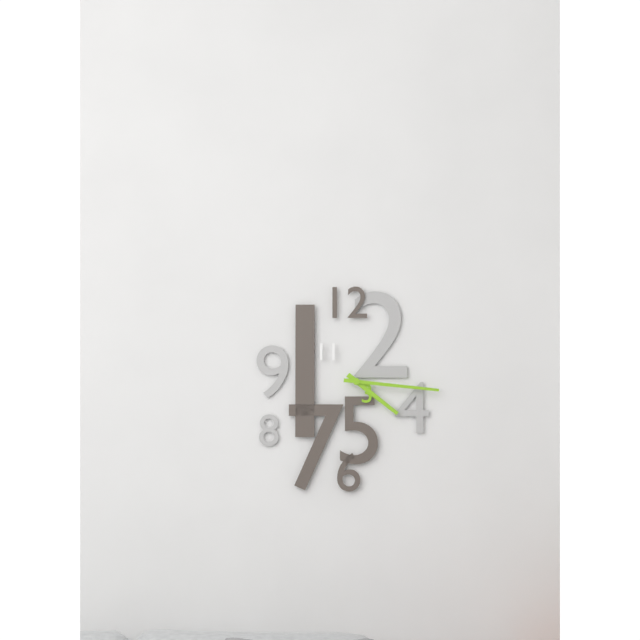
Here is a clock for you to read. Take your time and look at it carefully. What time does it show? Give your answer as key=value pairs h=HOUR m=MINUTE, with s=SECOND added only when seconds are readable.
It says h=4 m=16
